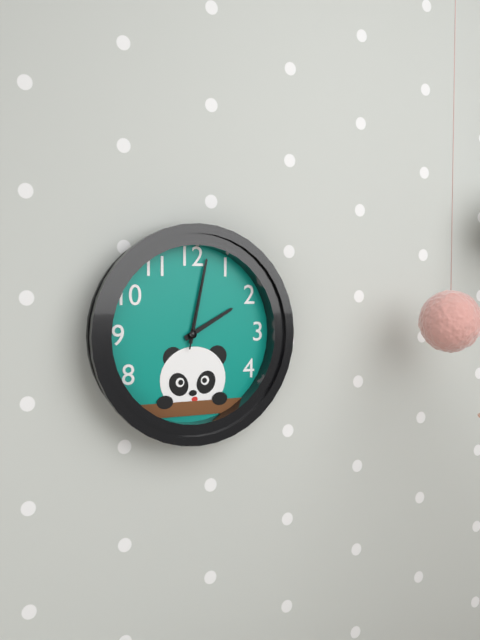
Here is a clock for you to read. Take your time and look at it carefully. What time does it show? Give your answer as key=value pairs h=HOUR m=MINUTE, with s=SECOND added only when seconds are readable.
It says h=2 m=2 s=2
